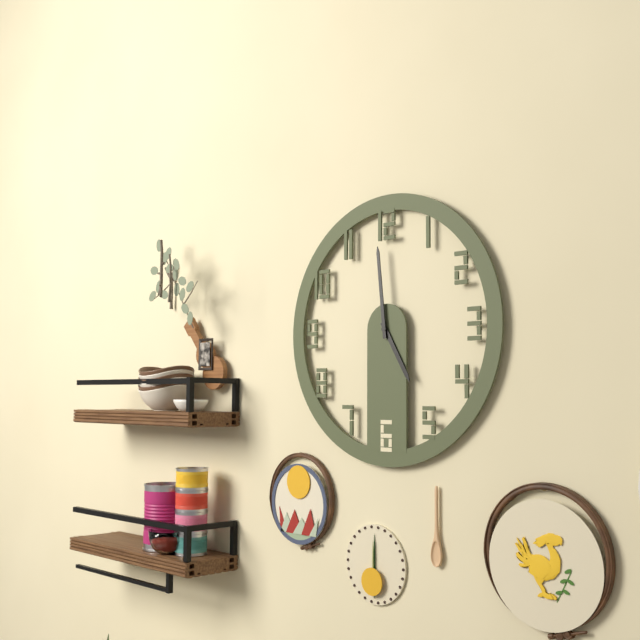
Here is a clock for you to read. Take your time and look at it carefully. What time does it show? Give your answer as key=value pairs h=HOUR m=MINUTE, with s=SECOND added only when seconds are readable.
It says h=4 m=59
